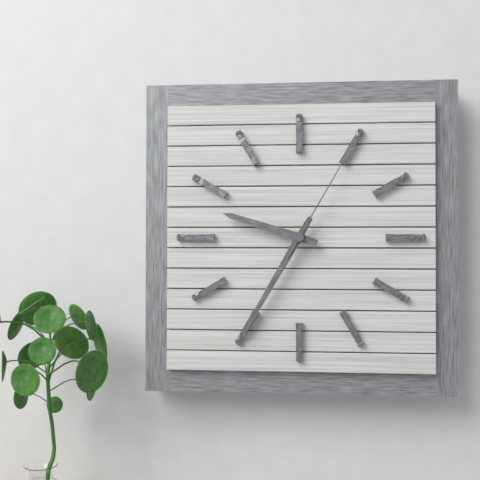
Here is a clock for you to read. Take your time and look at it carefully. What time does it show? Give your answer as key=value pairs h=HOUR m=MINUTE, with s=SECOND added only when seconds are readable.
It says h=9 m=35 s=5
